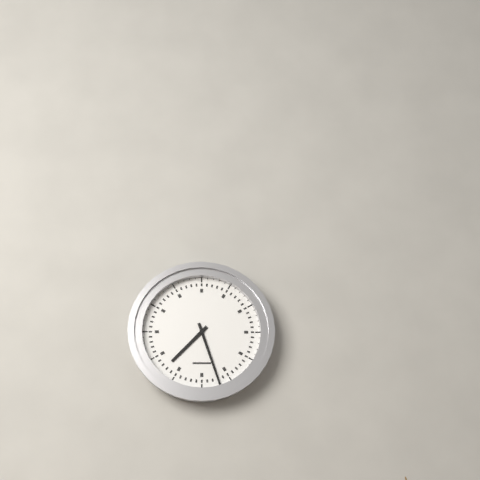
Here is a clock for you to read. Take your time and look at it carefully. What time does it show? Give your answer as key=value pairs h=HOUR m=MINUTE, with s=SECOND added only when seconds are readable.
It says h=7 m=27
